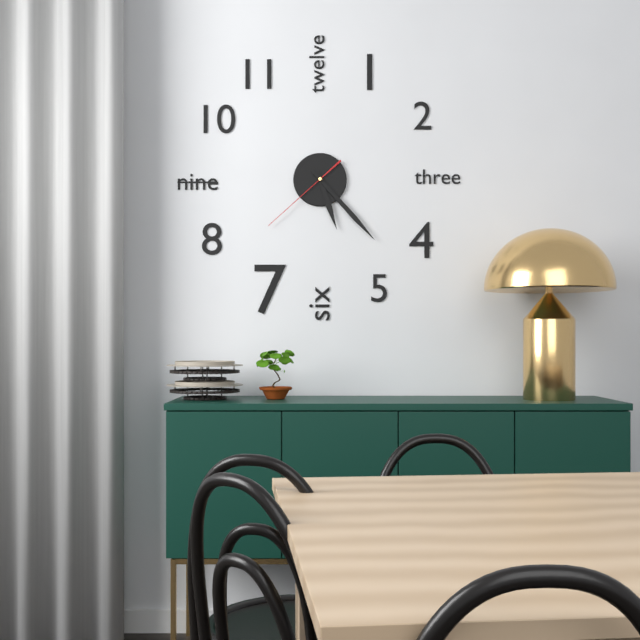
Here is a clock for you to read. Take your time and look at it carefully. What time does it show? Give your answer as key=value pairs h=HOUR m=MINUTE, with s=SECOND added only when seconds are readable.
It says h=5 m=23 s=38
